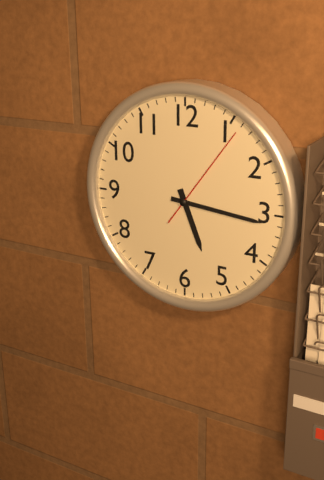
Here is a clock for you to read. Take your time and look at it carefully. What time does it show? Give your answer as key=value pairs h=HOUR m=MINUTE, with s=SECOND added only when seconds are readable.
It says h=5 m=16 s=6
